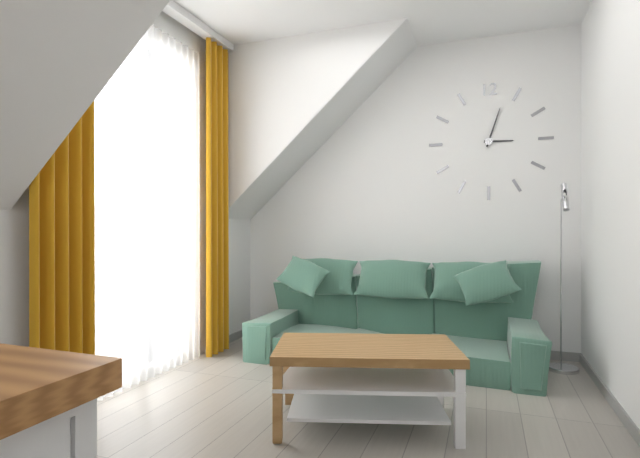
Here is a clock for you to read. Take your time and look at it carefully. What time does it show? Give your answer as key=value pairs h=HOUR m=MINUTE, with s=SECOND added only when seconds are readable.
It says h=3 m=3
